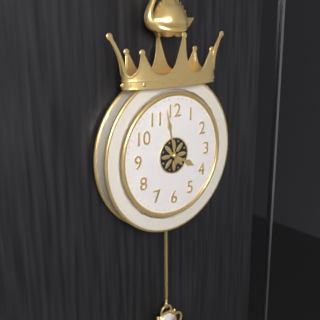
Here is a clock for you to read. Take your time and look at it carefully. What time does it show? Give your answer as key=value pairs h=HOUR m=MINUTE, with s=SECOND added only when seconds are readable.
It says h=3 m=58
